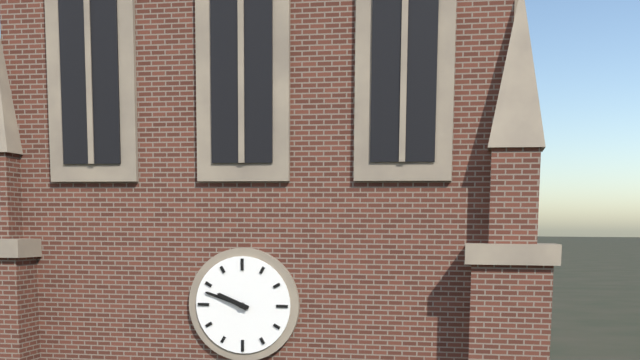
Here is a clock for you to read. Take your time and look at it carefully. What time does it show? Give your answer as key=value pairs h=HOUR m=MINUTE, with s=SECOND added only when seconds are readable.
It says h=9 m=48
